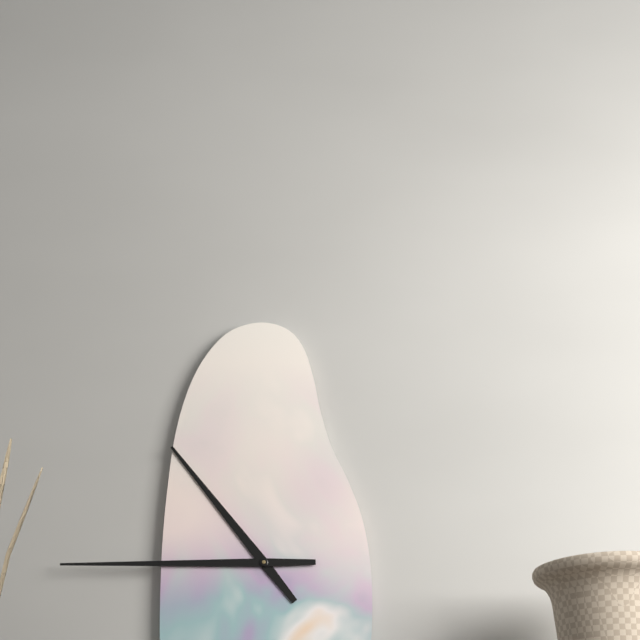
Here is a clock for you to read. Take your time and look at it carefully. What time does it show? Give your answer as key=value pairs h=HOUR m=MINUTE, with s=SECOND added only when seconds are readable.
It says h=10 m=45
